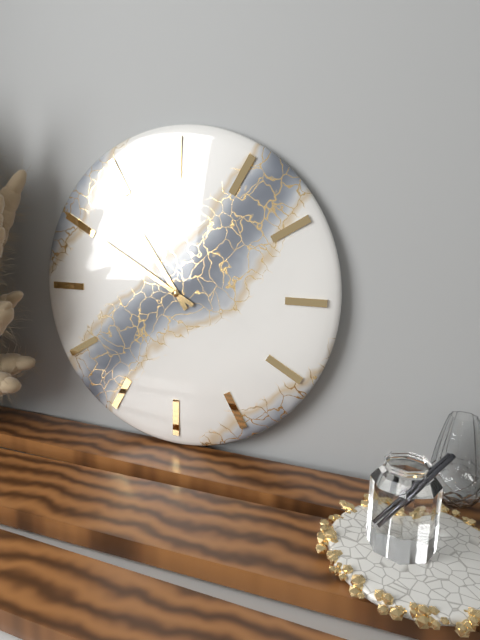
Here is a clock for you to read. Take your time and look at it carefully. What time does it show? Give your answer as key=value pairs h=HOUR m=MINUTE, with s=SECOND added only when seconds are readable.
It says h=10 m=50
